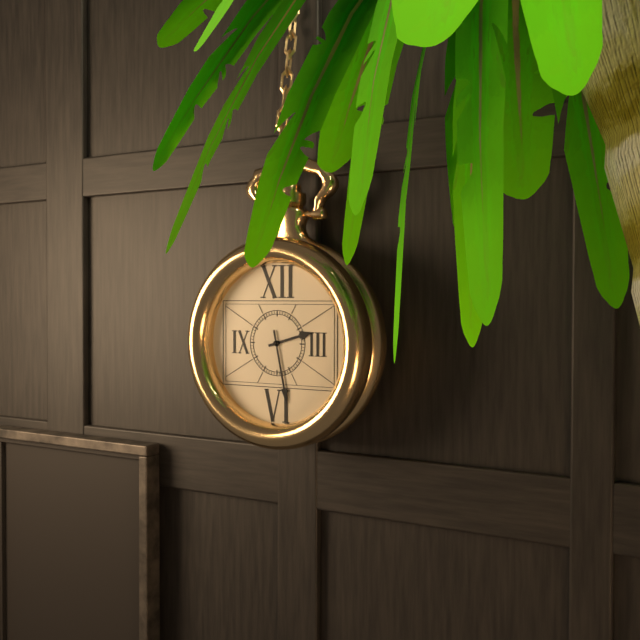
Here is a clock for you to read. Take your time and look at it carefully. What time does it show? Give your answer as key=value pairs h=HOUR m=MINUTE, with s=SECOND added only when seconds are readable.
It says h=2 m=28
